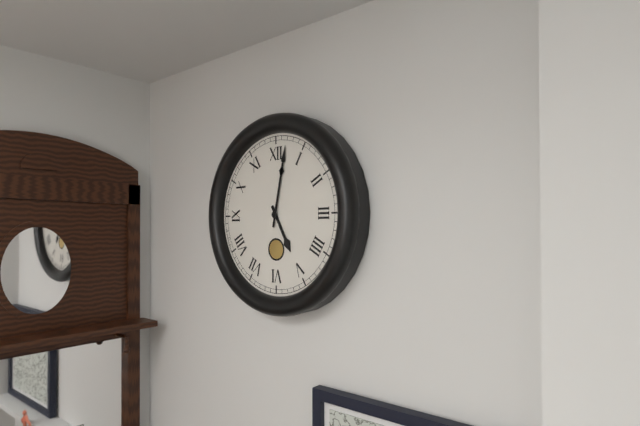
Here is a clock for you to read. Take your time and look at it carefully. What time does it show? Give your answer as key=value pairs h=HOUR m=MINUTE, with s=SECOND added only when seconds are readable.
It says h=5 m=2
